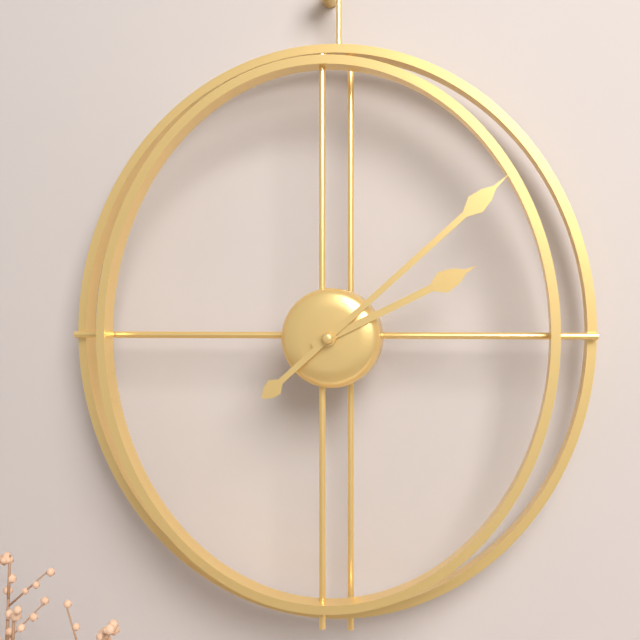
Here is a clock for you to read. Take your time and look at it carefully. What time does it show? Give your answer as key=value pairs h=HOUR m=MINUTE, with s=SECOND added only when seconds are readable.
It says h=2 m=8
